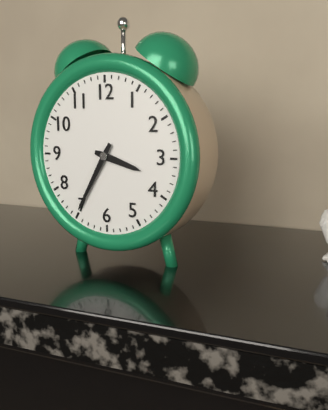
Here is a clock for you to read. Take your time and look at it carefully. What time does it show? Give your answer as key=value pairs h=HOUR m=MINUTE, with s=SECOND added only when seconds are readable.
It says h=3 m=35
